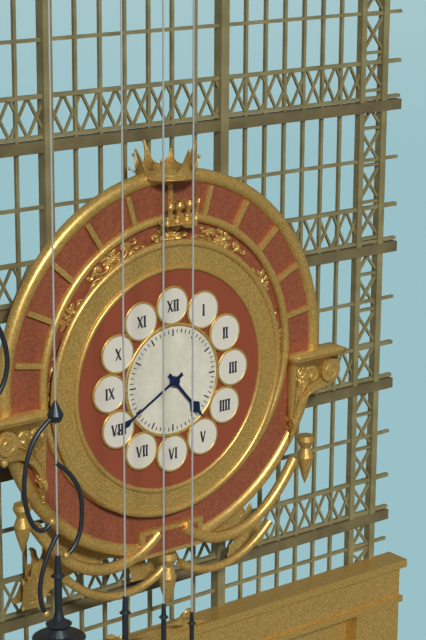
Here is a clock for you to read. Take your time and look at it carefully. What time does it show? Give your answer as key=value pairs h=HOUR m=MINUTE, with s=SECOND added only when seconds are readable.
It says h=4 m=40
